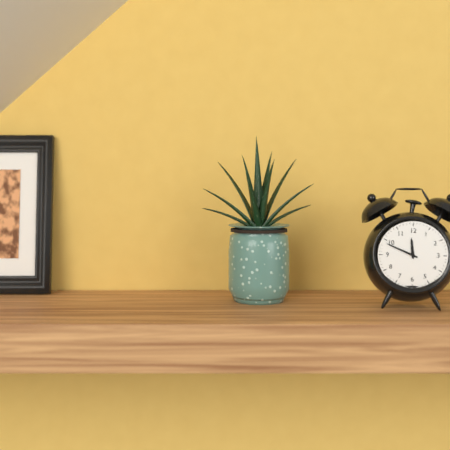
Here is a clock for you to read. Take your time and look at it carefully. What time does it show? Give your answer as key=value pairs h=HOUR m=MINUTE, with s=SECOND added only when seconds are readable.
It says h=11 m=49
